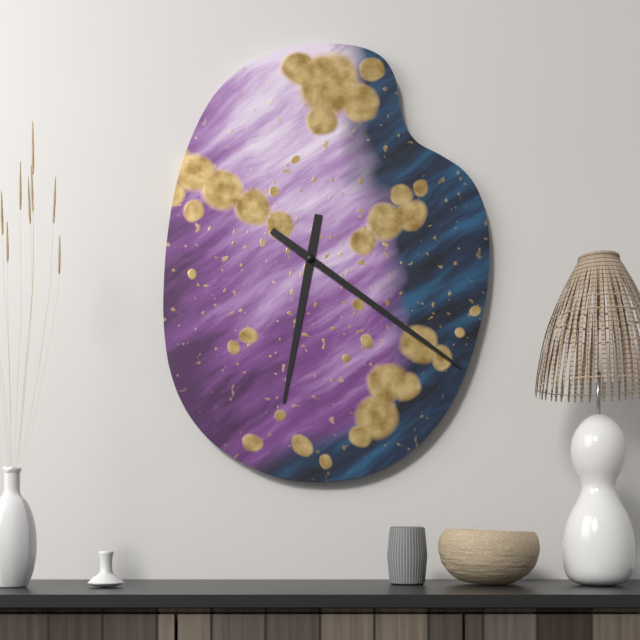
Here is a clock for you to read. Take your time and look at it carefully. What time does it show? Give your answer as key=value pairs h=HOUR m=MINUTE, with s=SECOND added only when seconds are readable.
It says h=6 m=21
